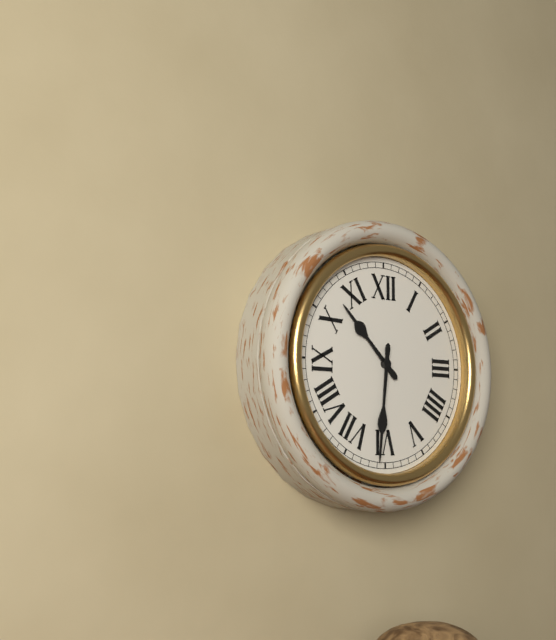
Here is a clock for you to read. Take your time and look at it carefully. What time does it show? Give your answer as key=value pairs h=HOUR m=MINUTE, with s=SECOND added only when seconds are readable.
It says h=10 m=31
